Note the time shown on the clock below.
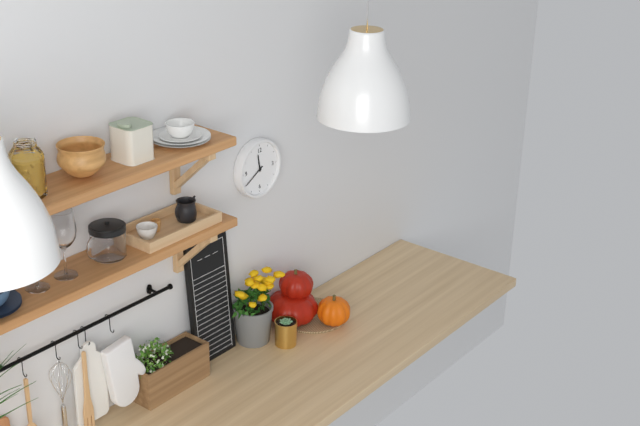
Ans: 11:40
